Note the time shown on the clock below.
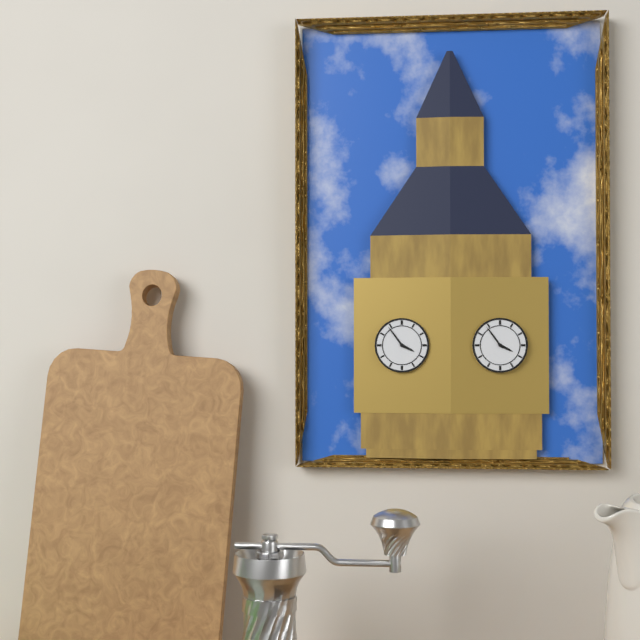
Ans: 3:54
